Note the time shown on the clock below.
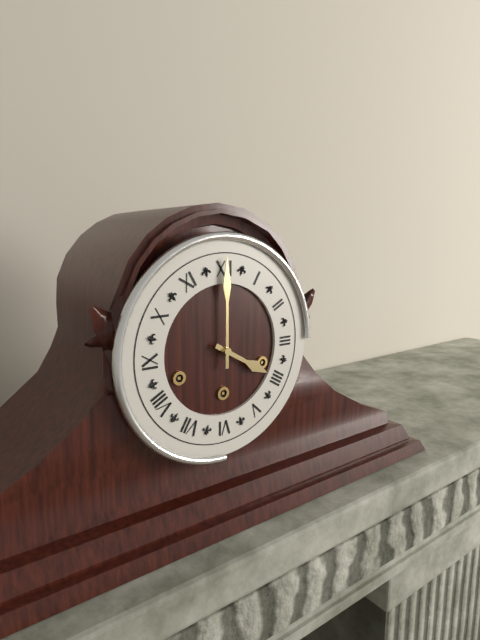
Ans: 4:00
